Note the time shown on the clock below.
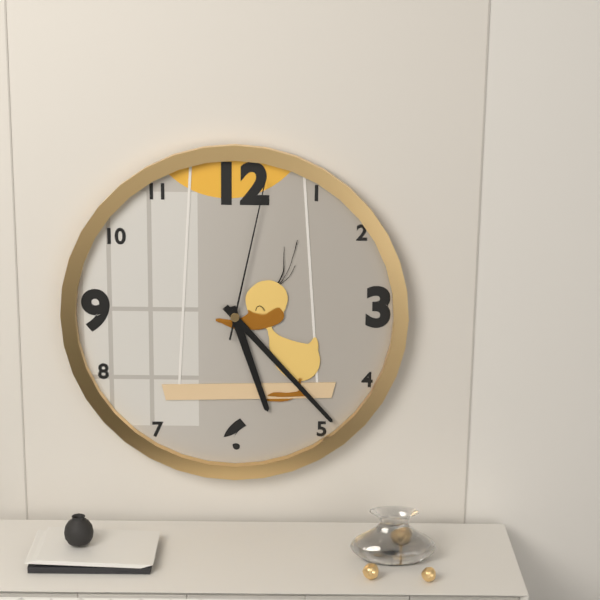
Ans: 5:23:02
